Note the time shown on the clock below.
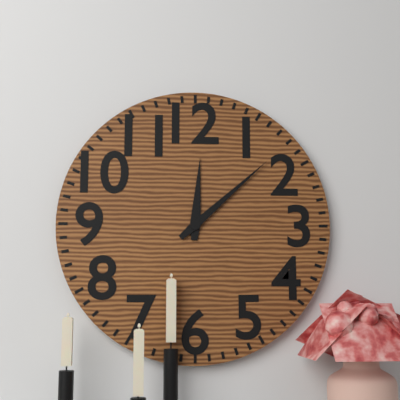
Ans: 12:08
